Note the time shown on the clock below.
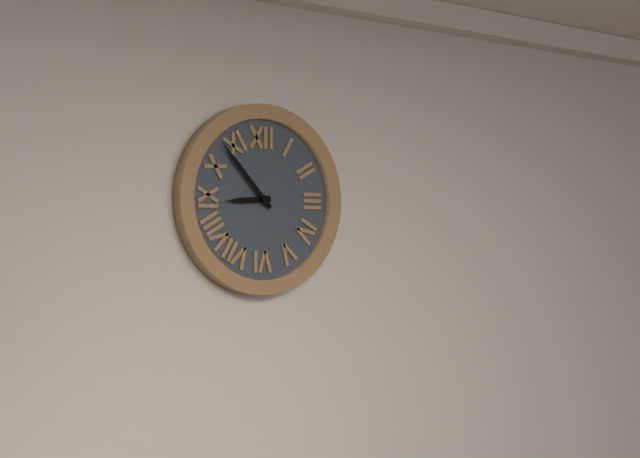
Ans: 8:53
